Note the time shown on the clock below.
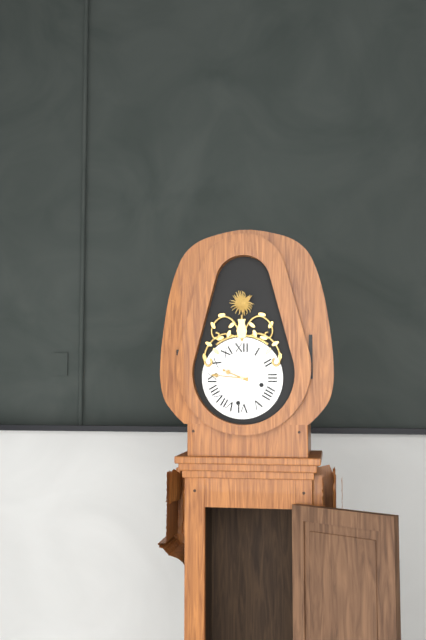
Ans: 9:46
